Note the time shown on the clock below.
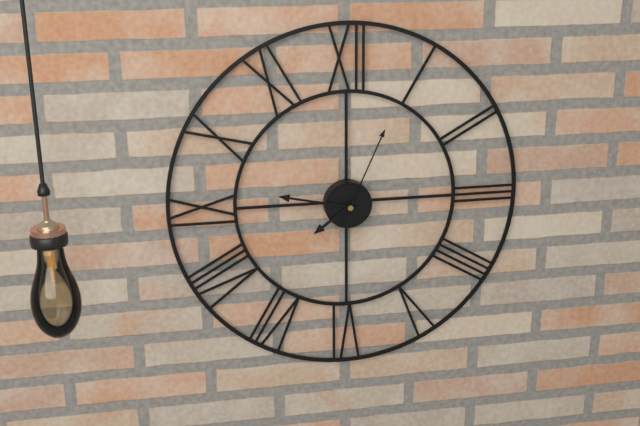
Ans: 7:47:04
